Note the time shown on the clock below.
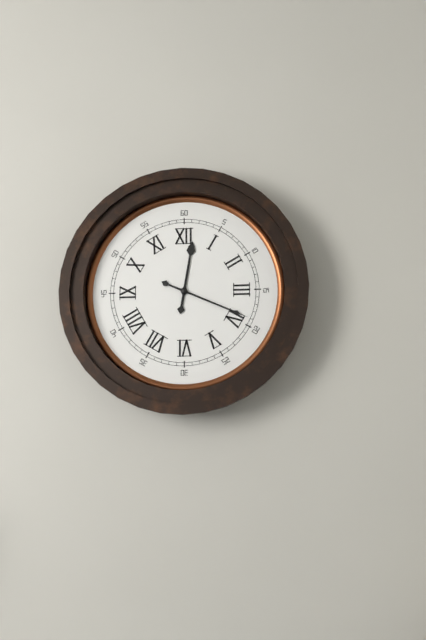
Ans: 12:19
